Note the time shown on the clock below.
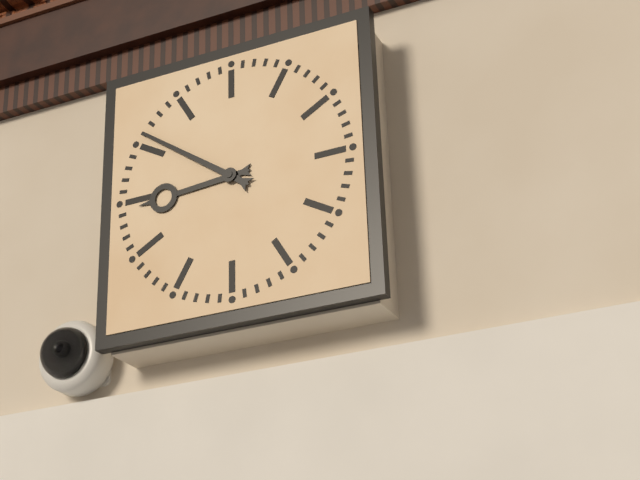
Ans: 8:51
